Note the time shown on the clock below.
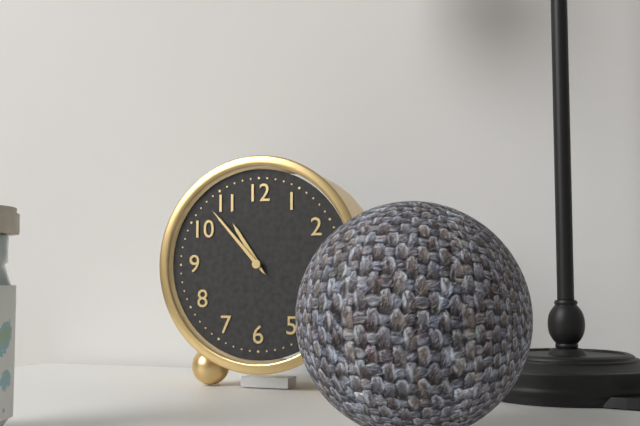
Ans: 10:53
